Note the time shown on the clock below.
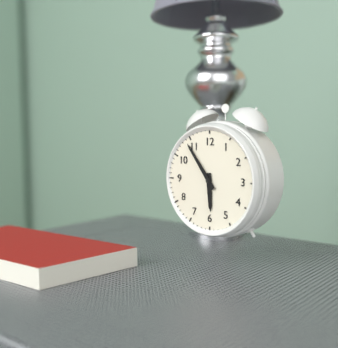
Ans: 5:54
